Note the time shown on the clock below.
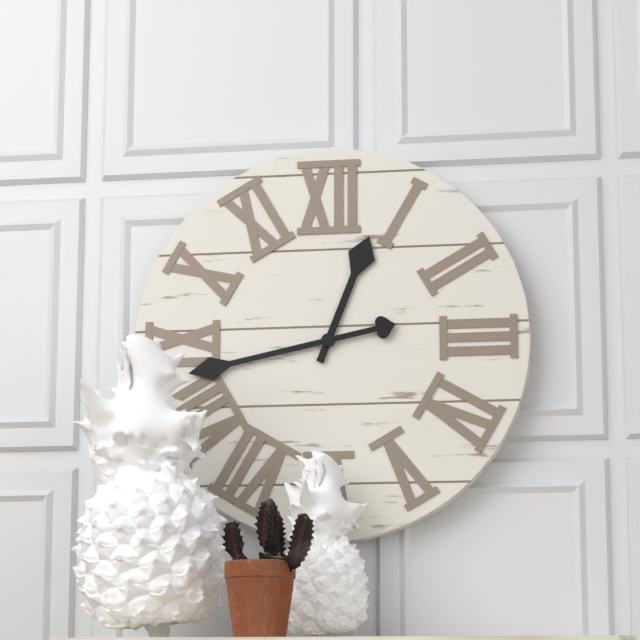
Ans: 12:43
